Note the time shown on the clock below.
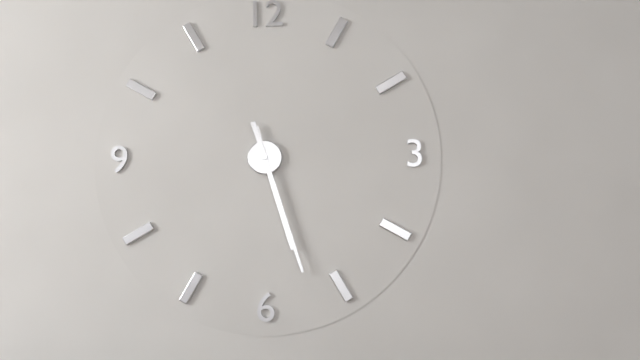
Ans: 5:27
